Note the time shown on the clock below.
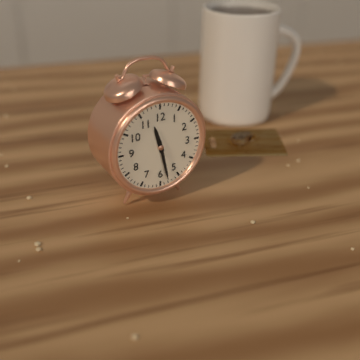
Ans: 11:28
